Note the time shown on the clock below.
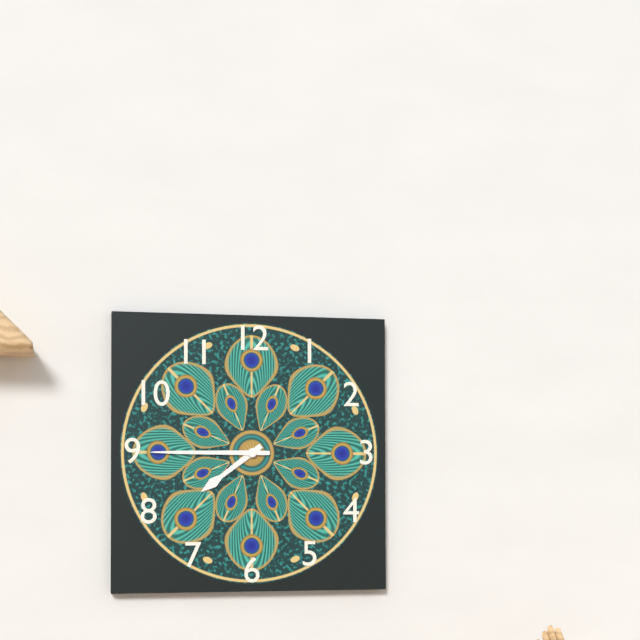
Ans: 7:45
